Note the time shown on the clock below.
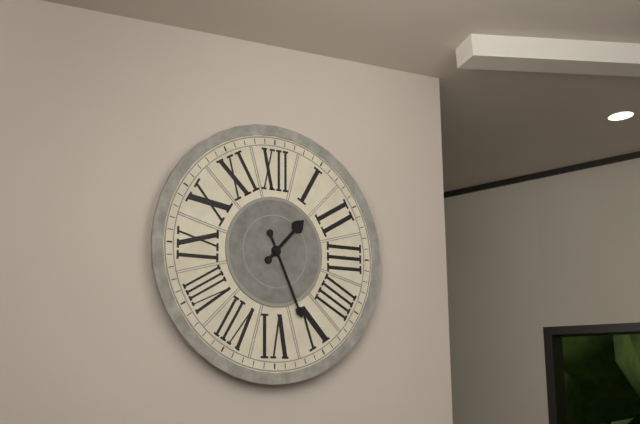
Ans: 1:26
